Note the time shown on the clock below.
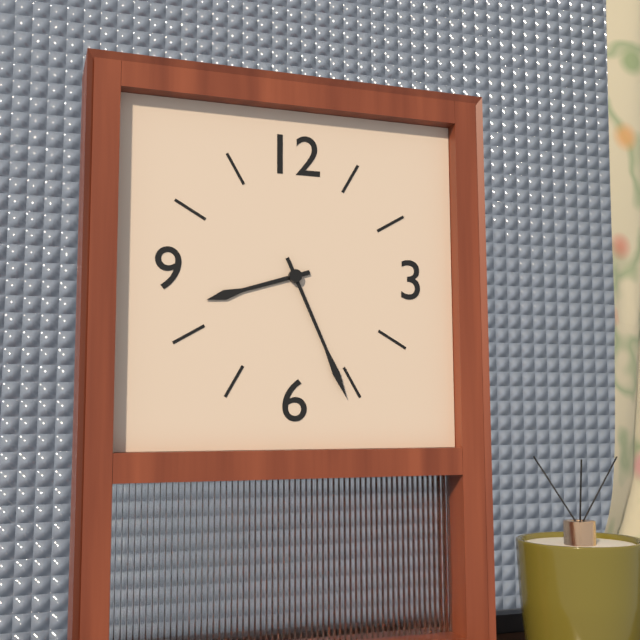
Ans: 8:26
